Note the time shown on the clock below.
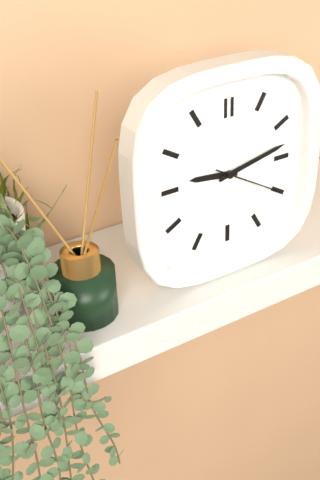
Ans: 9:13:20
